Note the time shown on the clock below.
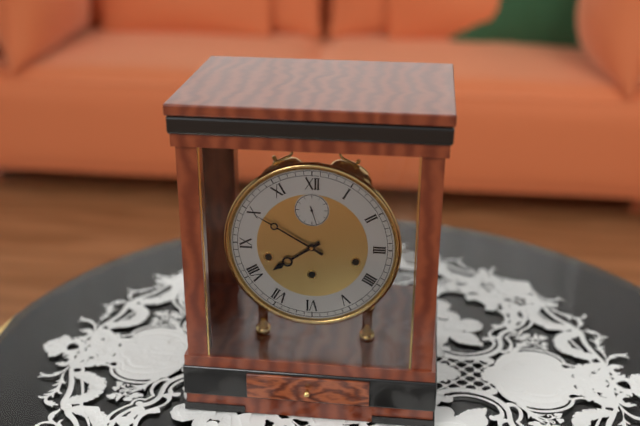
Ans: 7:50
